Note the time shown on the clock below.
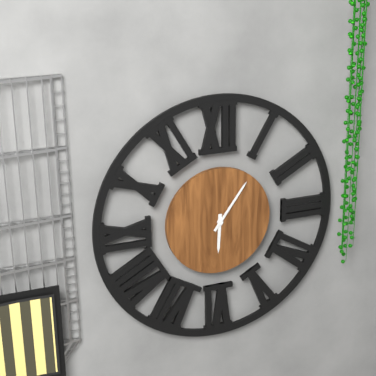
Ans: 6:06
